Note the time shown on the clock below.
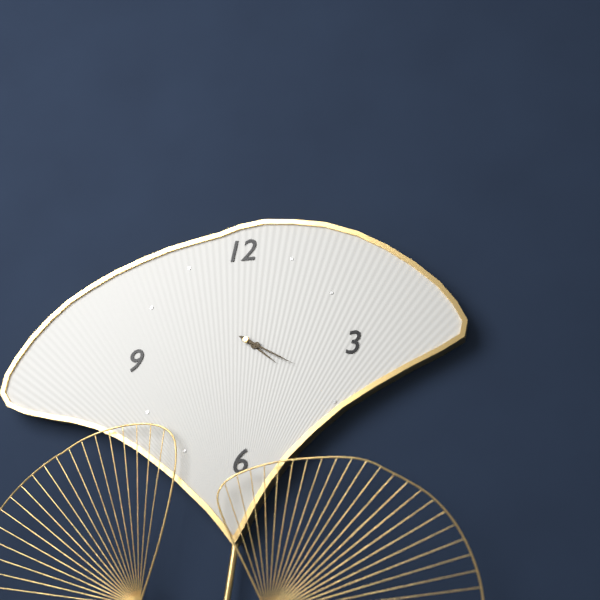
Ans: 4:20
